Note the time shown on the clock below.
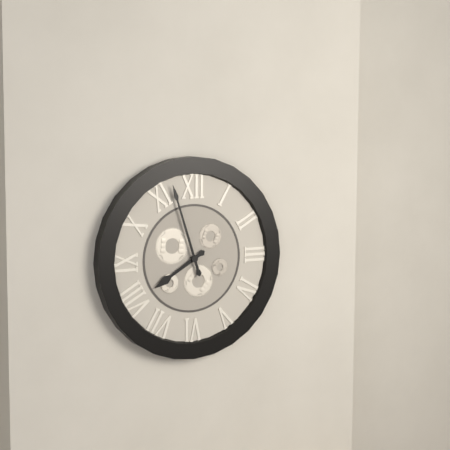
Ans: 7:57
